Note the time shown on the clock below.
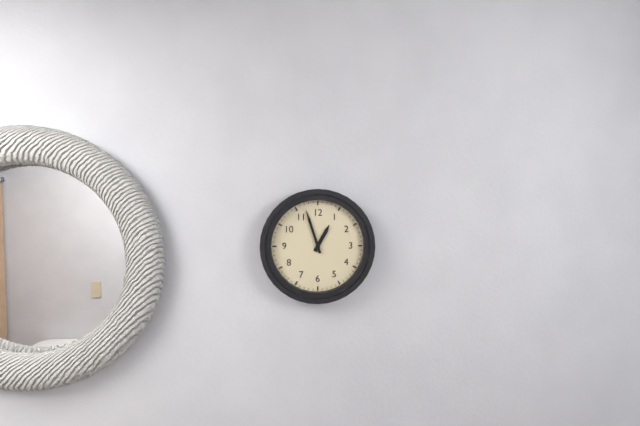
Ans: 12:57
